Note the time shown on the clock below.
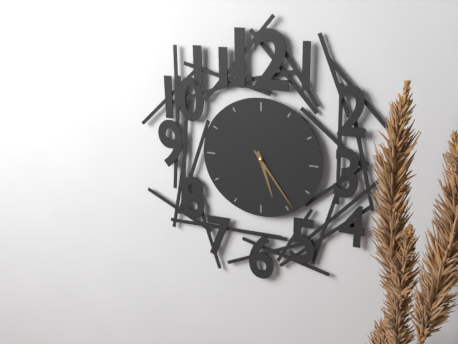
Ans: 5:24
